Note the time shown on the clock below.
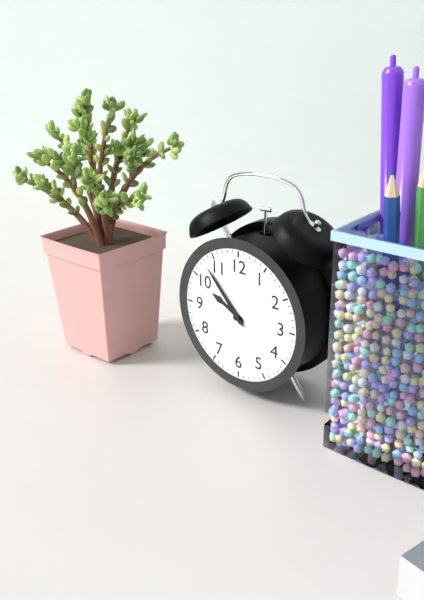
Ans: 9:53
